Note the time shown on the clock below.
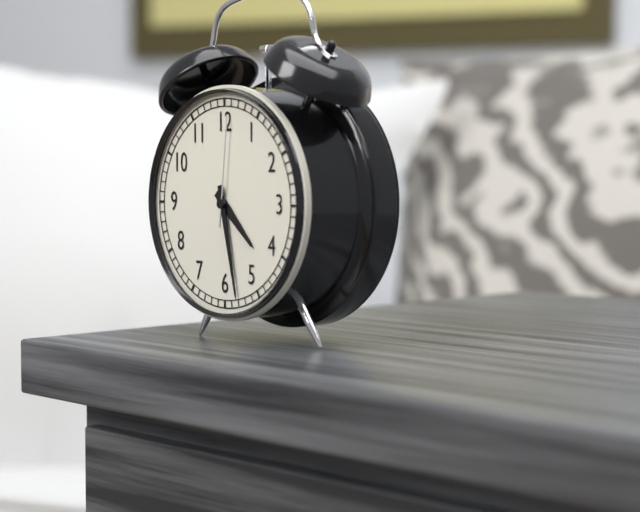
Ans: 4:28:01
